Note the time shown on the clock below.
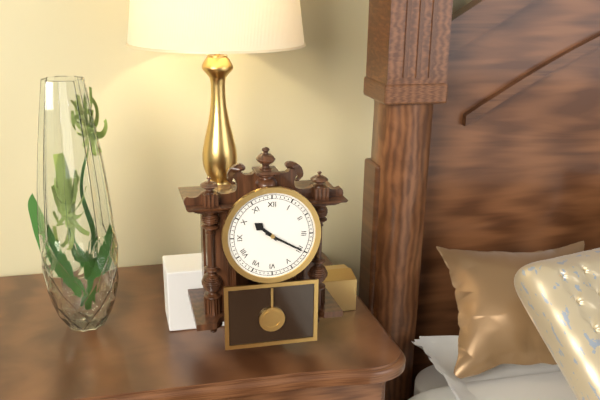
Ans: 10:20
